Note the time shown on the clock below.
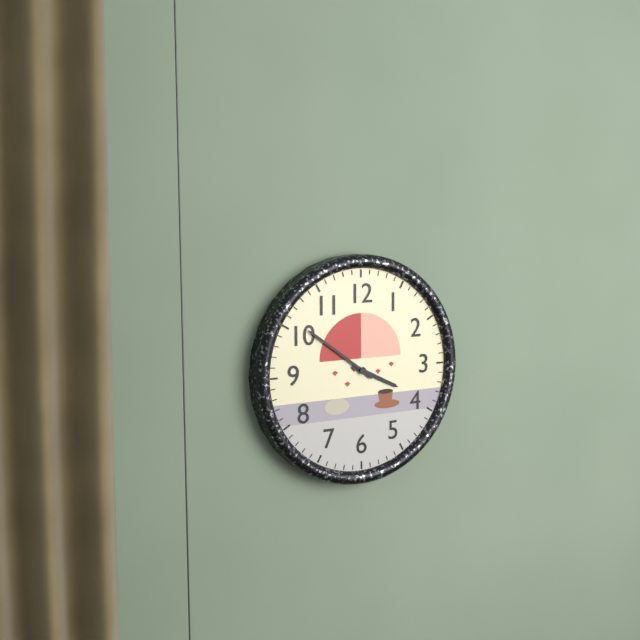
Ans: 3:51
